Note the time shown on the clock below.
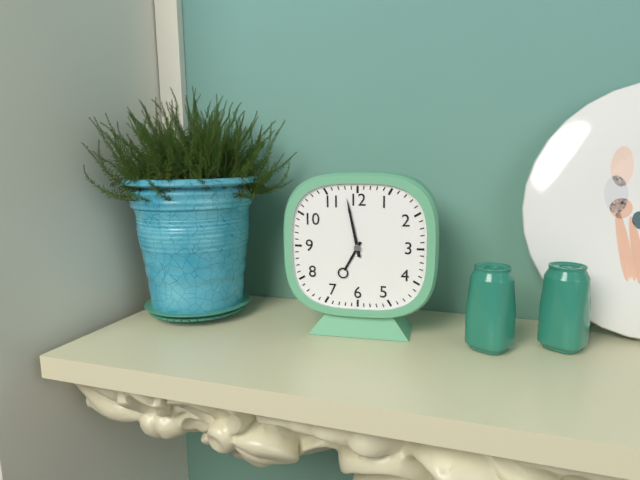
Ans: 6:58
